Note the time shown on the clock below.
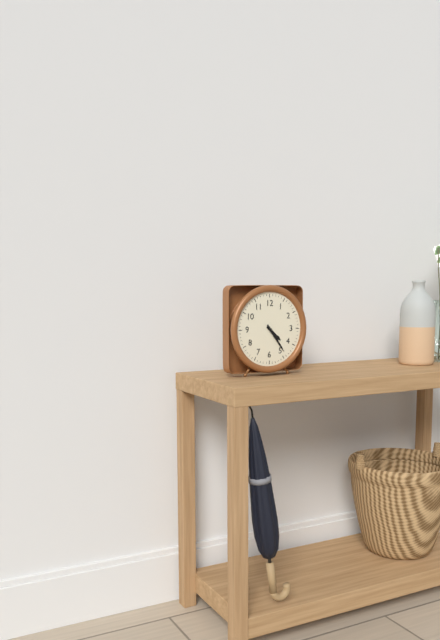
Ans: 4:24
